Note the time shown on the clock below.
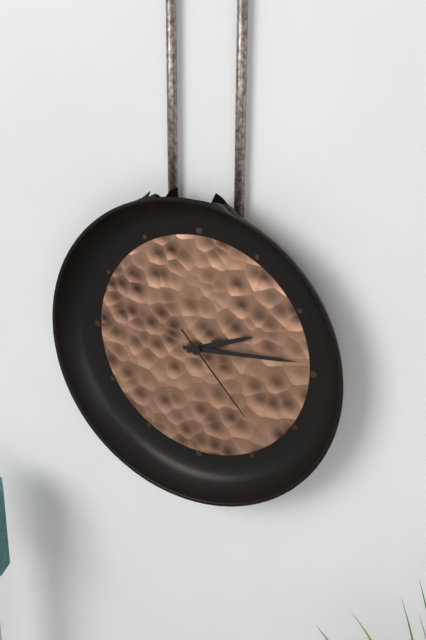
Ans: 2:14:23
